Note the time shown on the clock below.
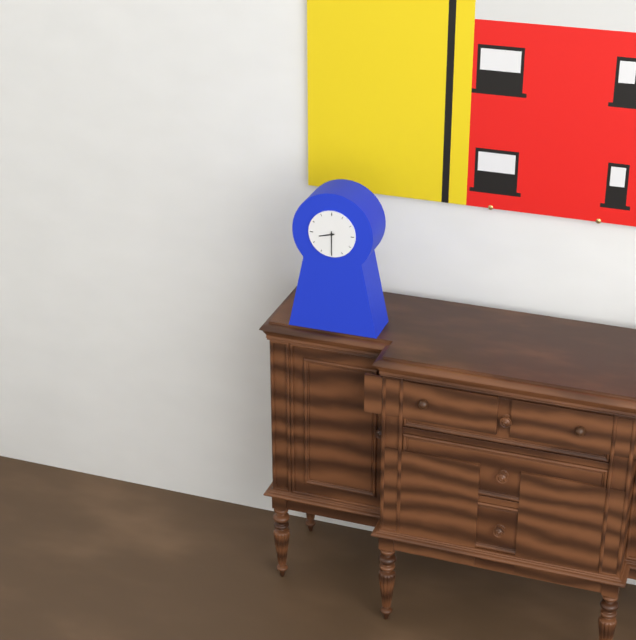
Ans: 8:30
